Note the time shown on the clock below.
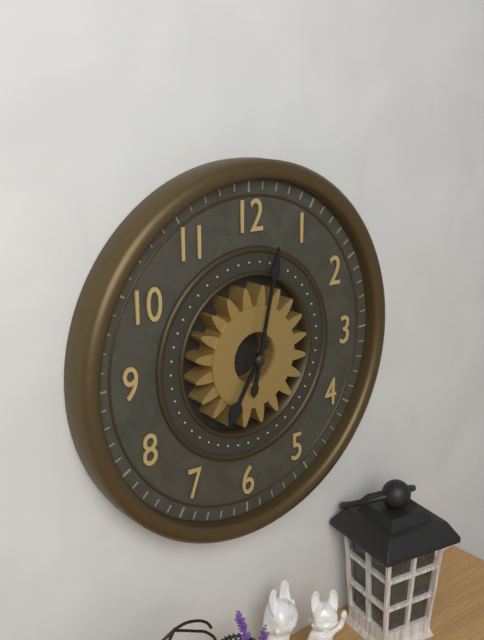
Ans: 7:02
